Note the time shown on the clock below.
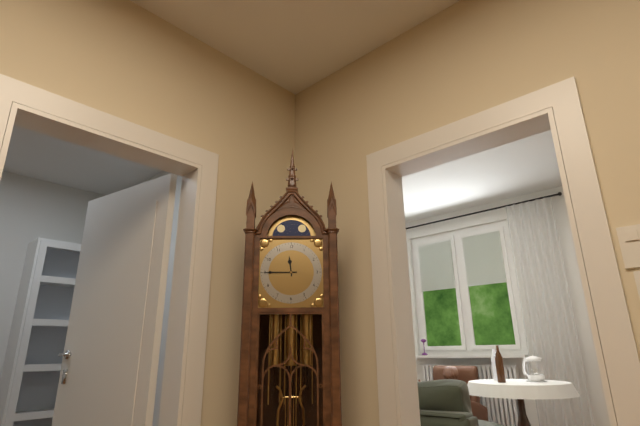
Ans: 11:45
